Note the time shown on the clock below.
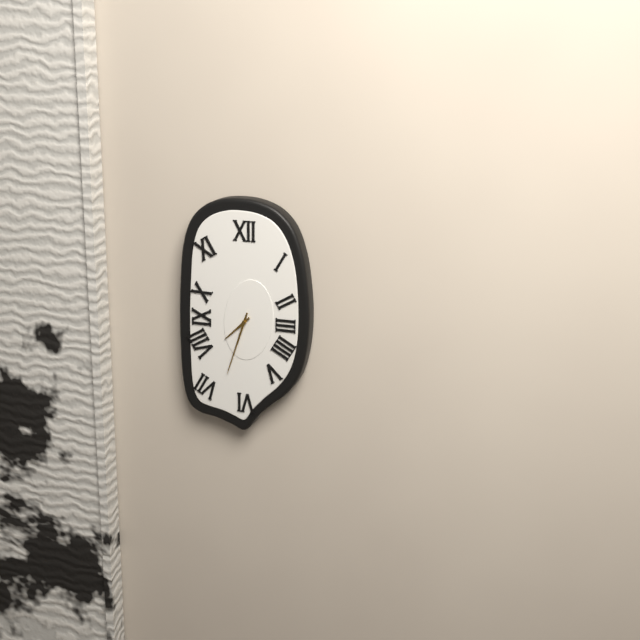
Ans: 7:33
